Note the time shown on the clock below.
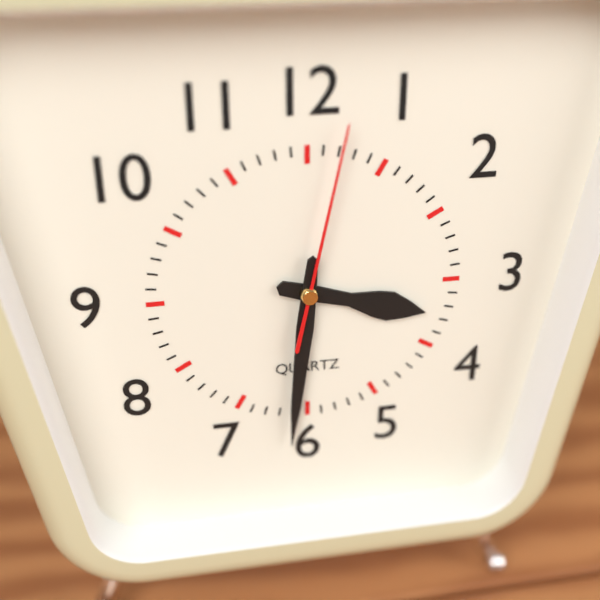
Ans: 3:31:02
